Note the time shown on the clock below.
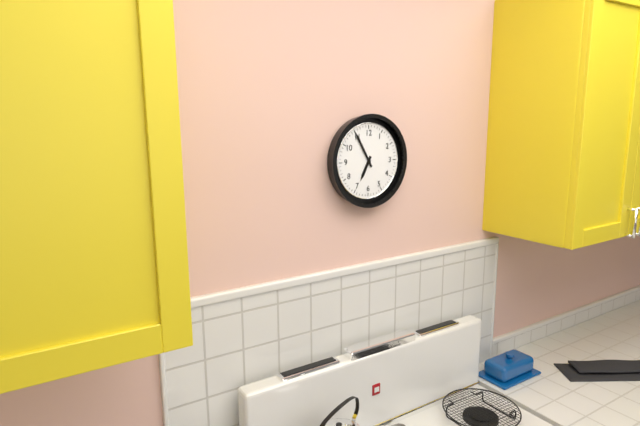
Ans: 6:55
